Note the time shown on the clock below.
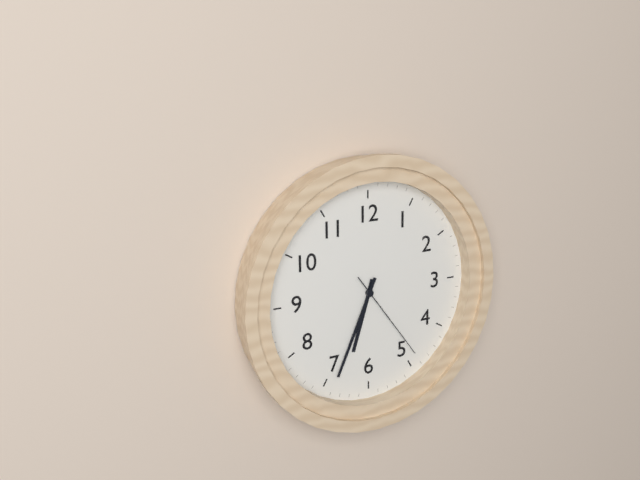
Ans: 6:34:24
